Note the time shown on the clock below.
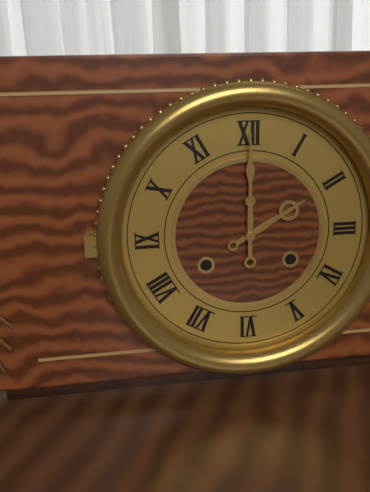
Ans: 2:00
